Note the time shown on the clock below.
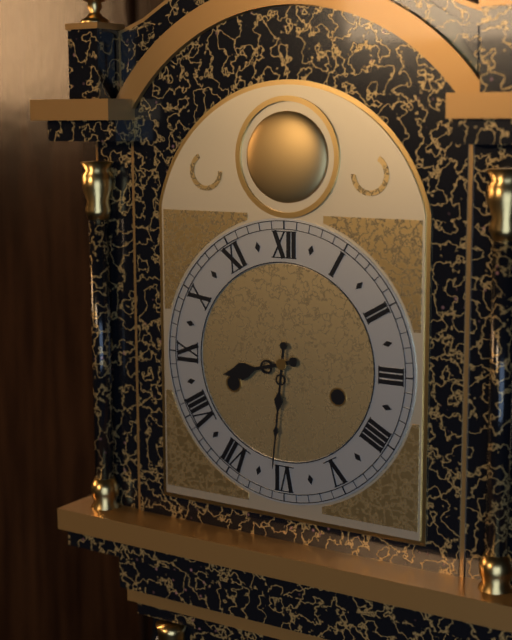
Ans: 8:31
